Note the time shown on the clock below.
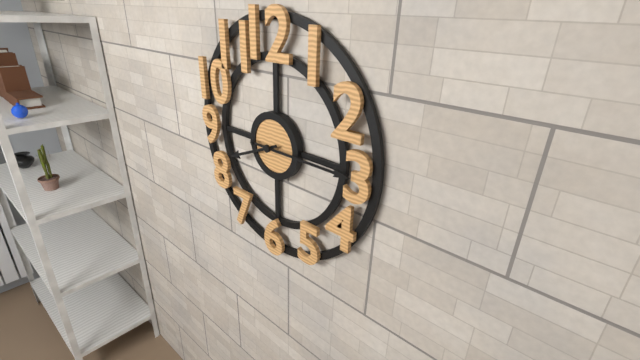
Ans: 8:15
